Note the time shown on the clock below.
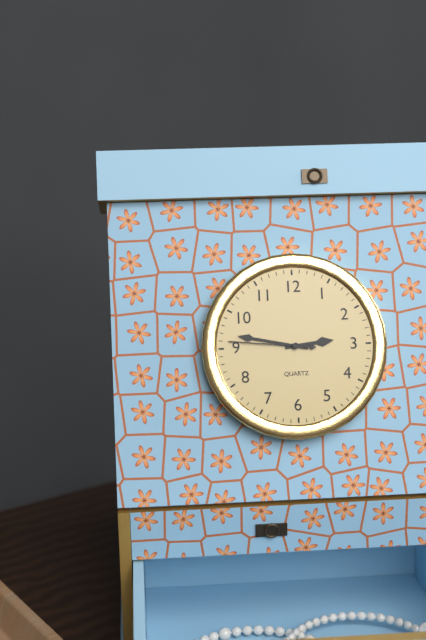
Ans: 2:47:46
